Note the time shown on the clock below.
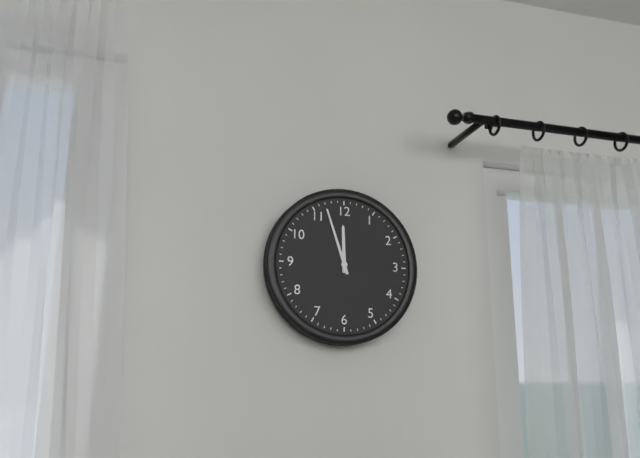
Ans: 11:57
